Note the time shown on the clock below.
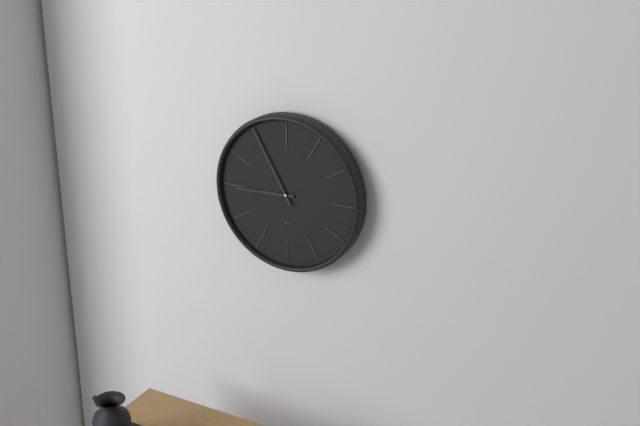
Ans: 8:55
